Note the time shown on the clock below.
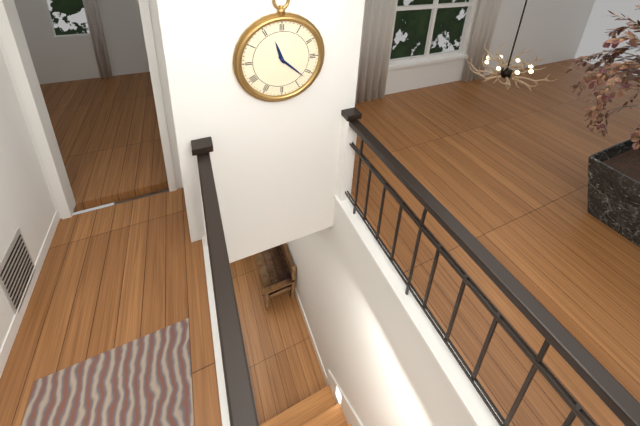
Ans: 11:22
